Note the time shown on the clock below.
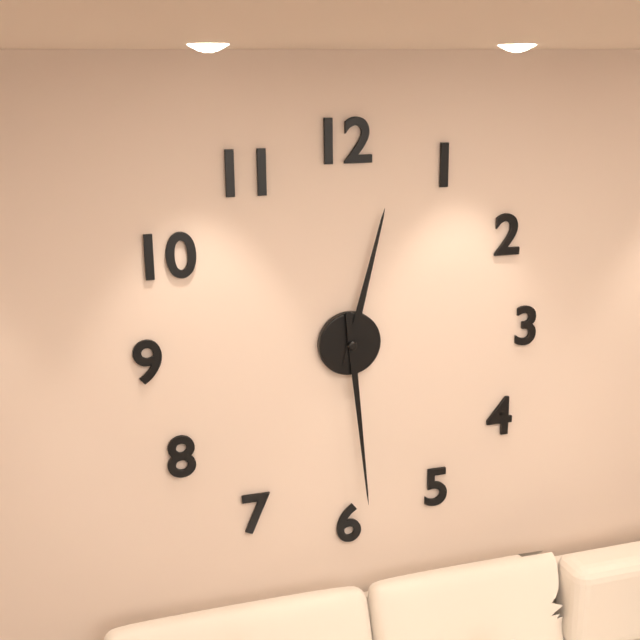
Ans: 12:29
